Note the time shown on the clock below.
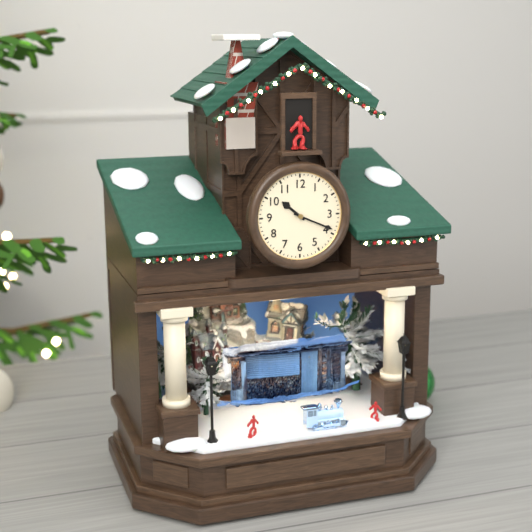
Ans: 10:19
